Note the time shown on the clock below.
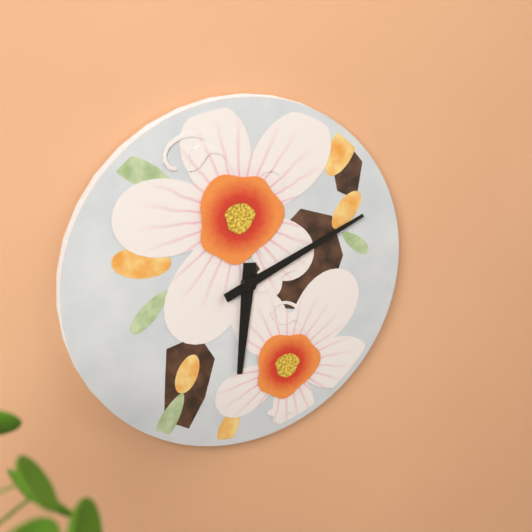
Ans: 6:11
